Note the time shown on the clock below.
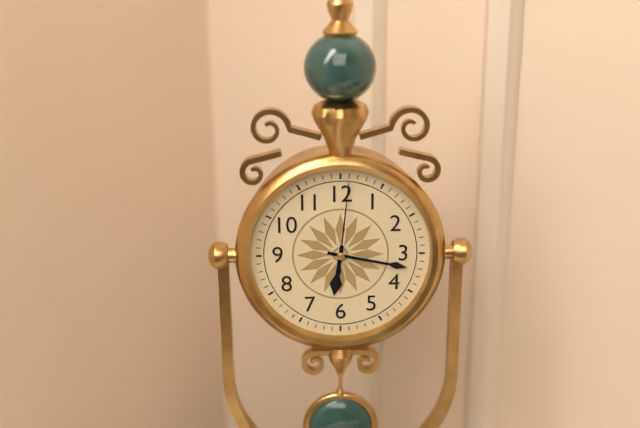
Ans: 6:17:01
